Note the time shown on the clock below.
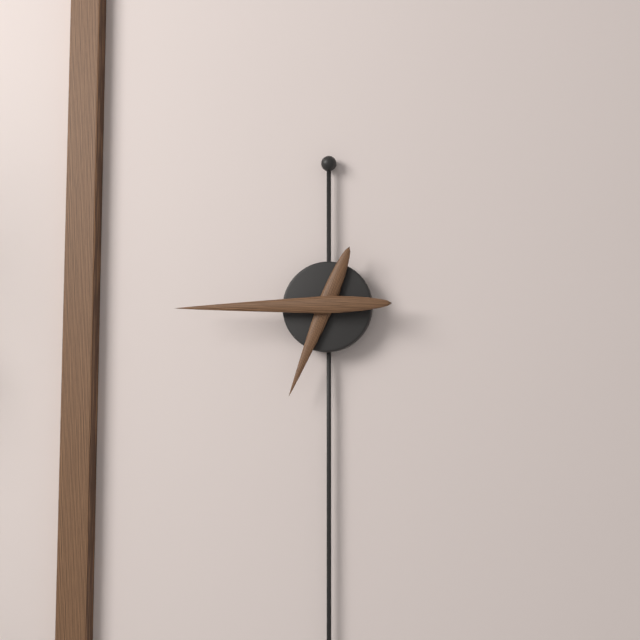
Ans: 6:45
